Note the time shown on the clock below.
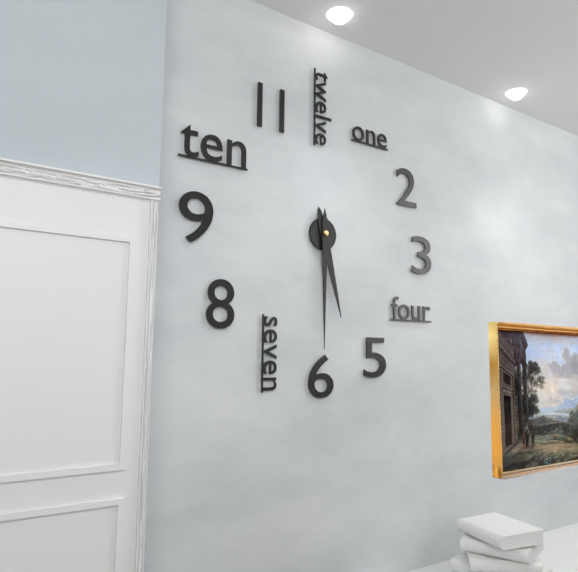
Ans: 5:30
